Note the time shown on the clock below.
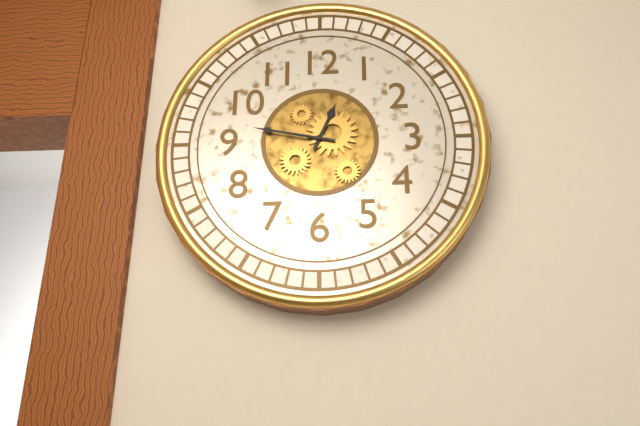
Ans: 12:47
